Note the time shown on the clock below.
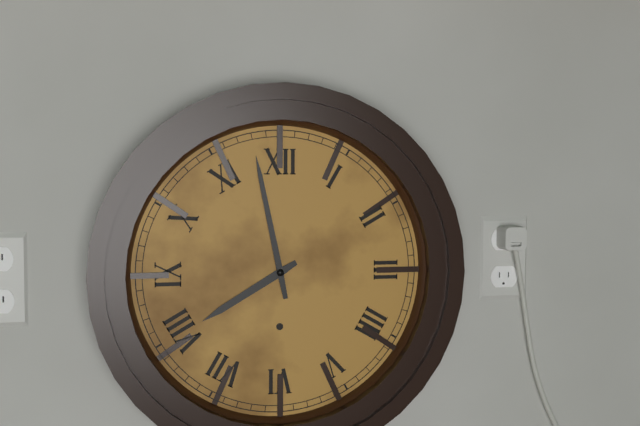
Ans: 7:58
